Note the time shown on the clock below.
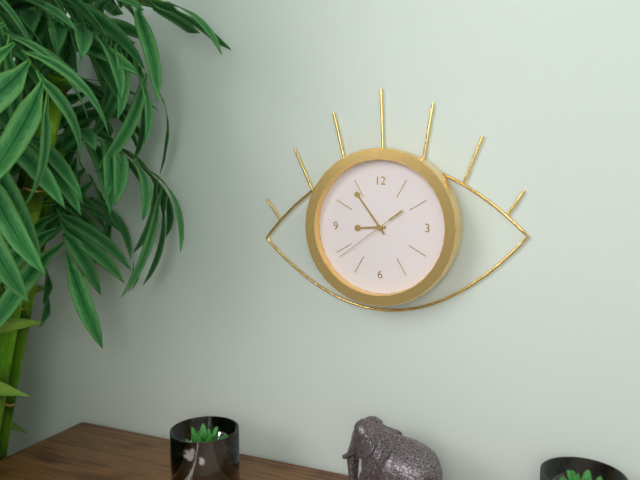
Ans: 8:54:39
